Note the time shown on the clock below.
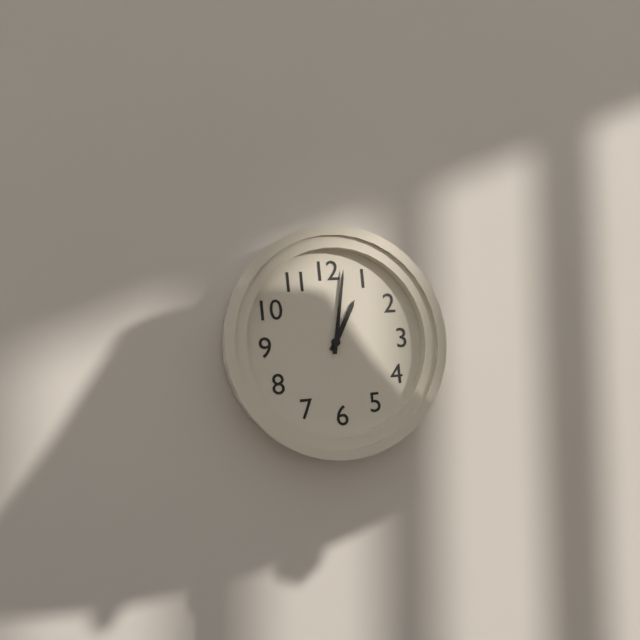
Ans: 1:02
